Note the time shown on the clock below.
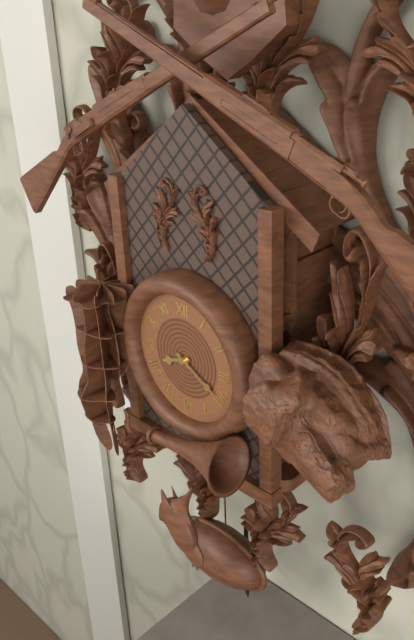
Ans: 8:20
